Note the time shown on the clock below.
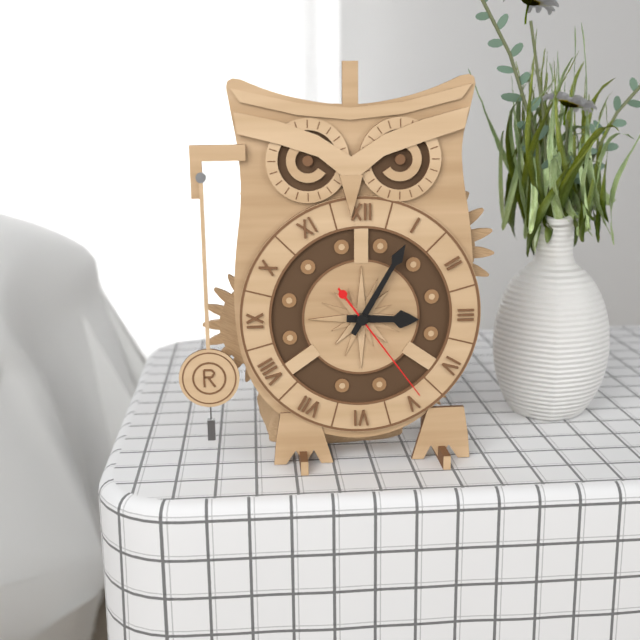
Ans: 3:05:24
